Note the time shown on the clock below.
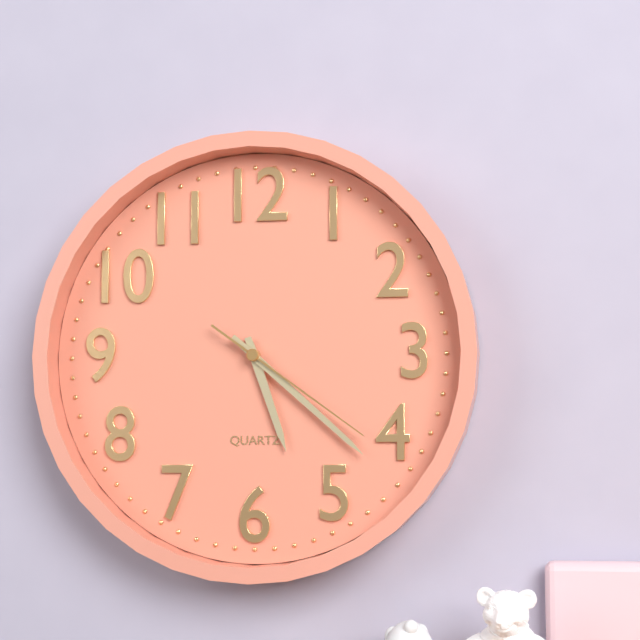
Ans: 5:22:21
